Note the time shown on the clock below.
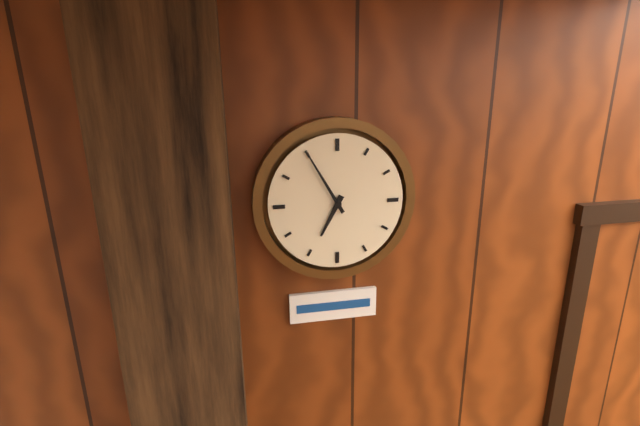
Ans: 6:55
